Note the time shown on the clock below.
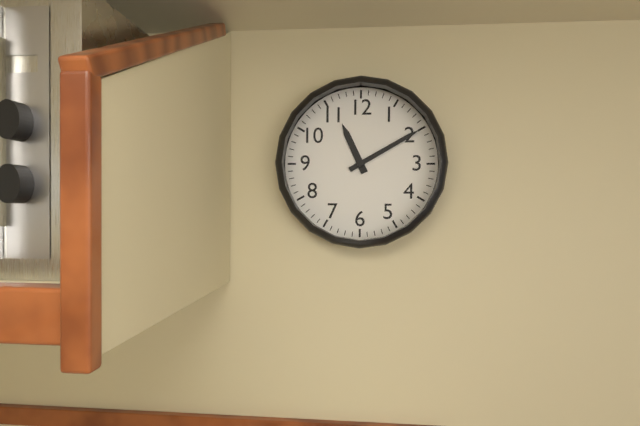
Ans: 11:10
